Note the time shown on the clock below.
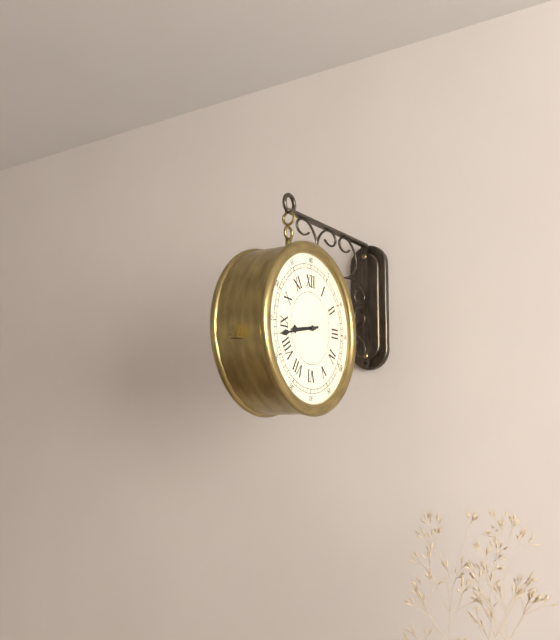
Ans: 8:43
